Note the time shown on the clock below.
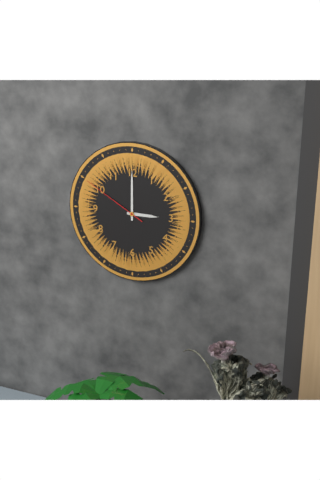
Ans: 3:00:50
